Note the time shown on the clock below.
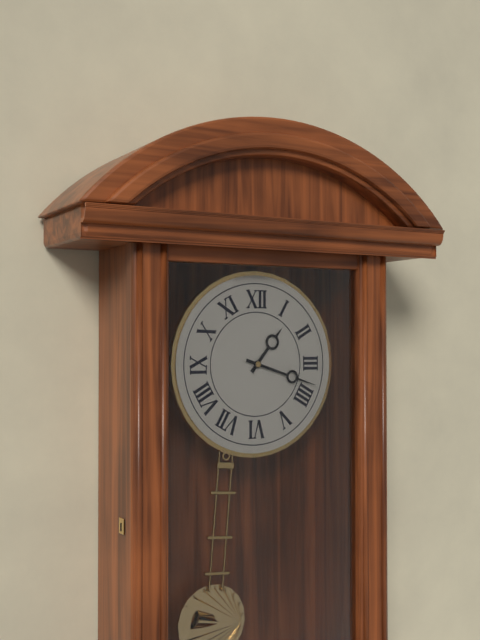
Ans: 1:18
